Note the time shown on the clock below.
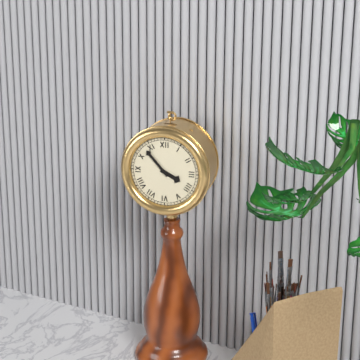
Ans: 3:53
